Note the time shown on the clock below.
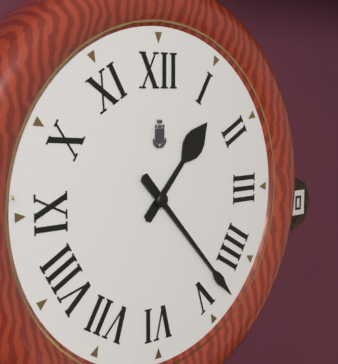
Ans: 1:23
